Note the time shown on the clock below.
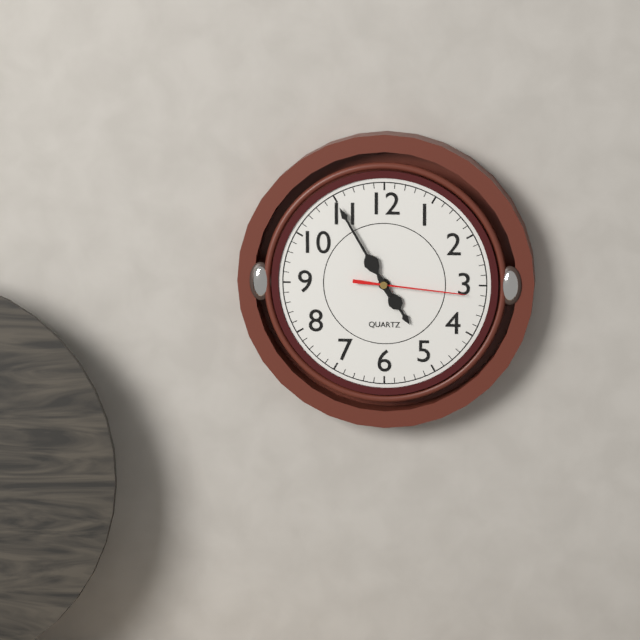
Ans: 4:55:16
